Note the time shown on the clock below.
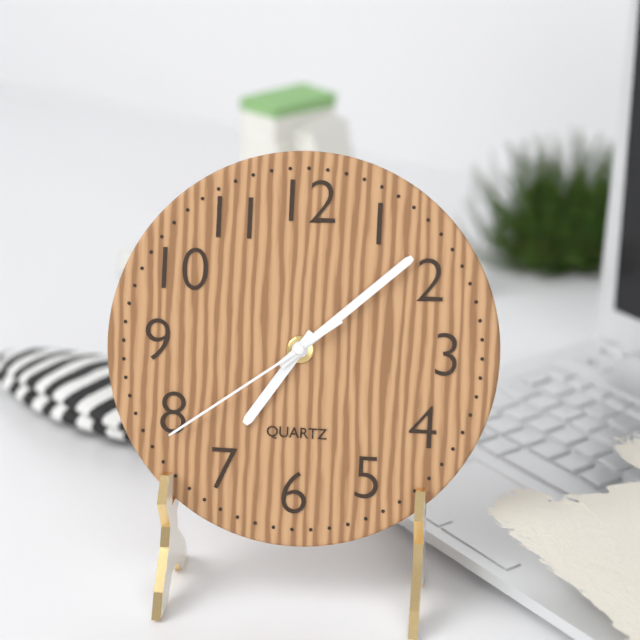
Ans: 7:08:39
